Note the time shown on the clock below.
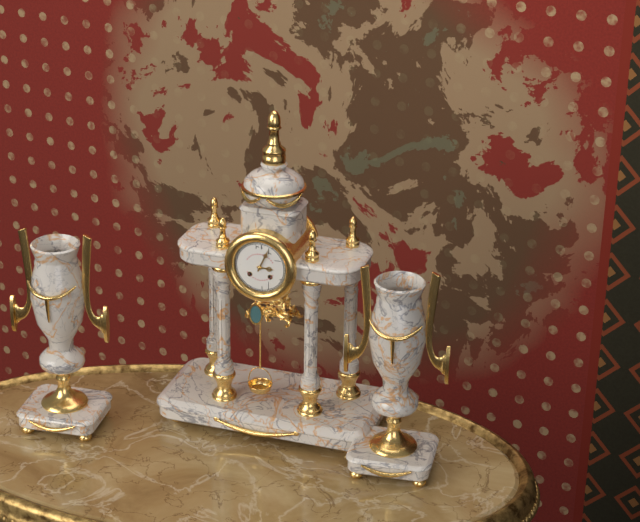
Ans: 3:04
